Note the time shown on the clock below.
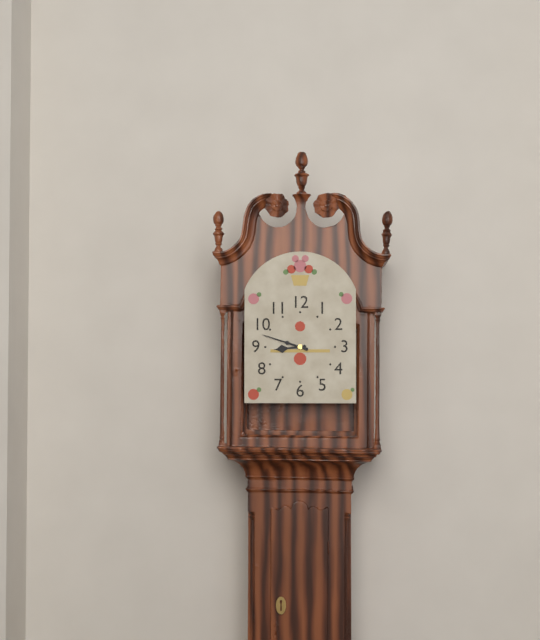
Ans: 8:48
